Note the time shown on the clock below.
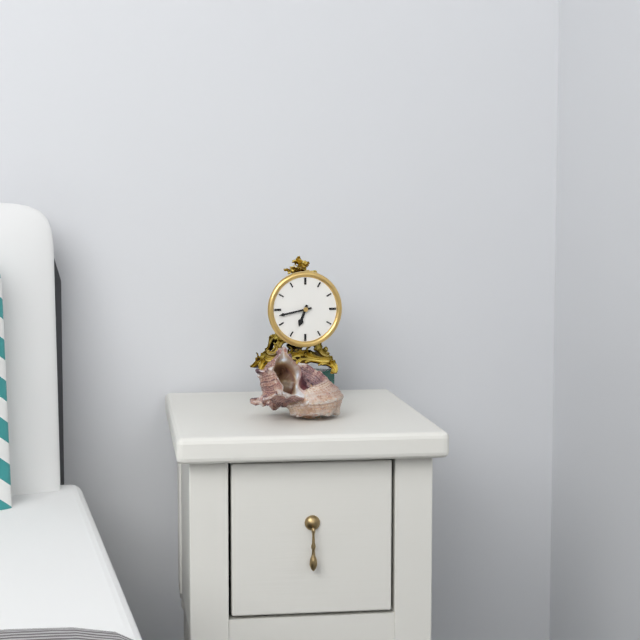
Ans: 6:43
